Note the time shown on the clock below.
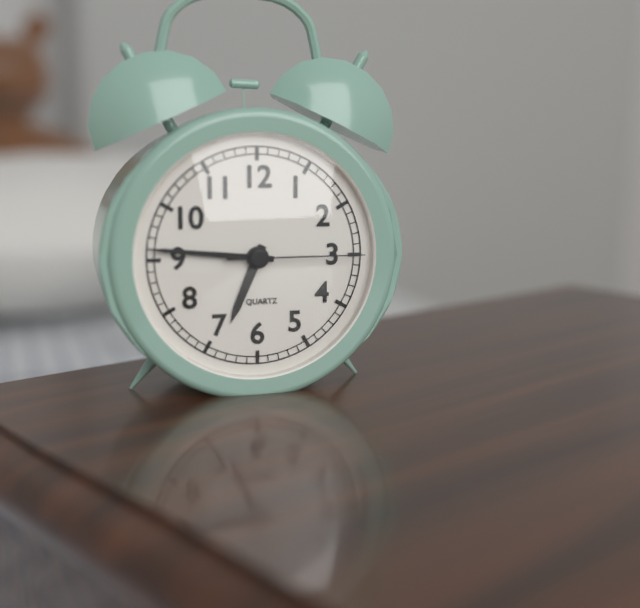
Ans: 6:46:15
